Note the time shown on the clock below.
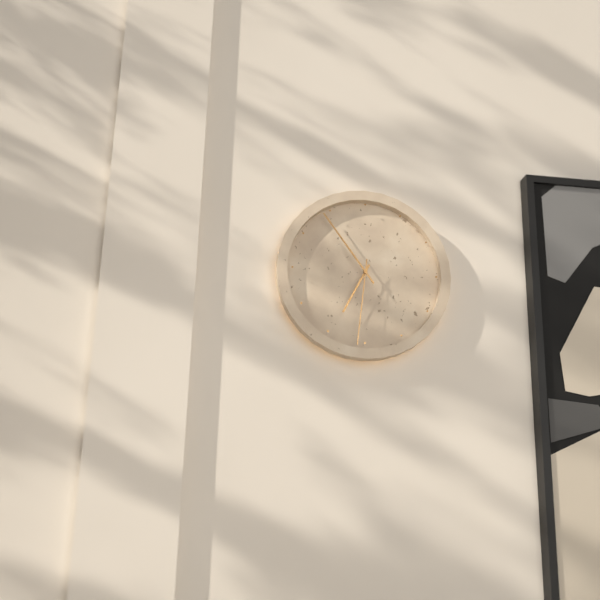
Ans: 6:54:31
